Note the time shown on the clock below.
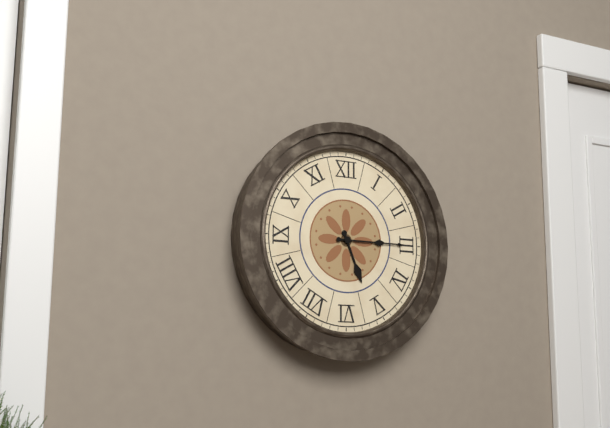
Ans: 5:15
